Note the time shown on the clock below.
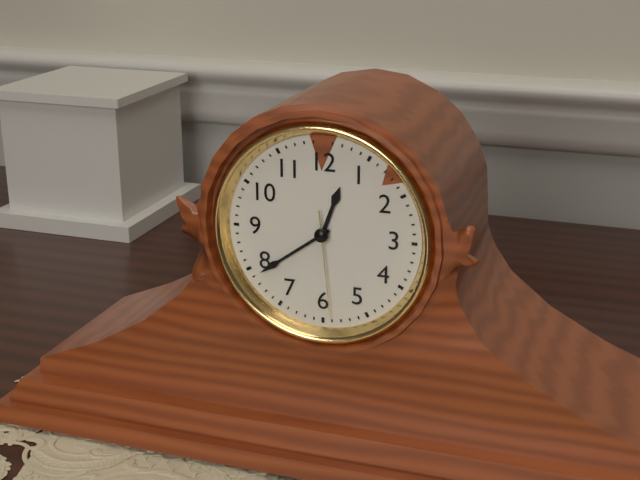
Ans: 12:39:29
